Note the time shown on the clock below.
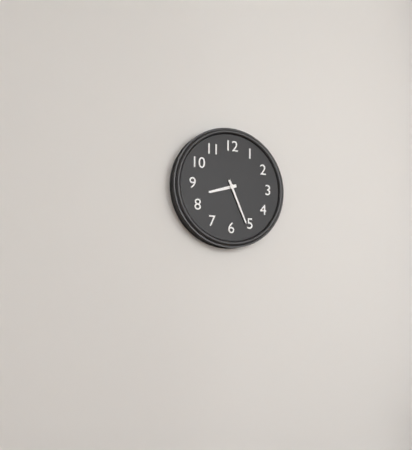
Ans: 8:26
